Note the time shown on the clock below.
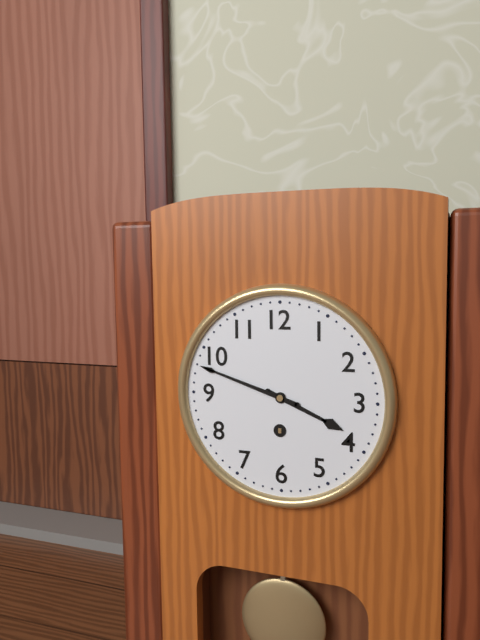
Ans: 3:48
